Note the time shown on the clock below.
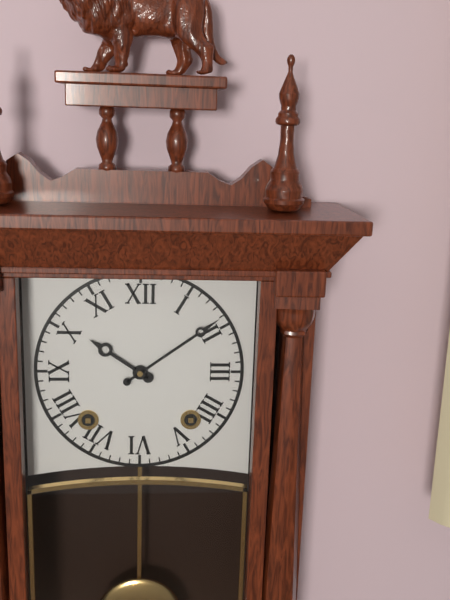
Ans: 10:09
